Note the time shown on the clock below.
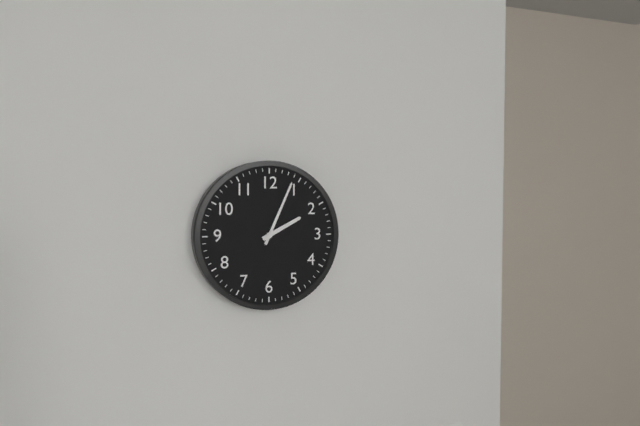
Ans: 2:04
